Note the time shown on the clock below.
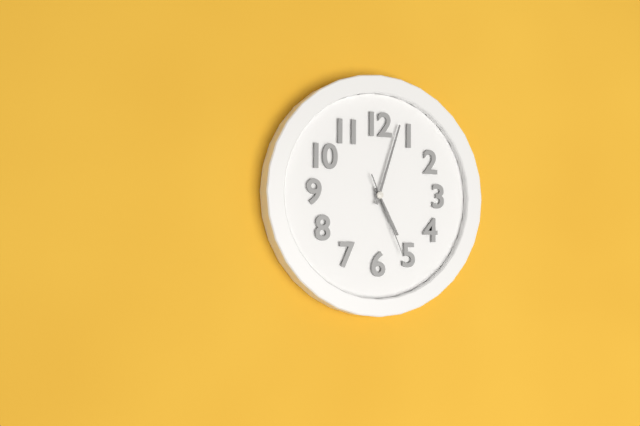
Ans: 5:03:26
